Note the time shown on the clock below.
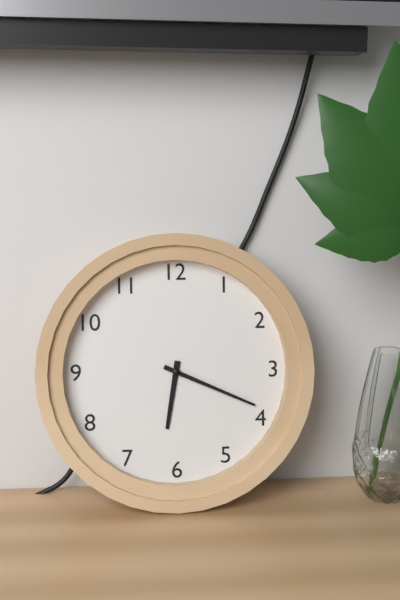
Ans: 6:19
